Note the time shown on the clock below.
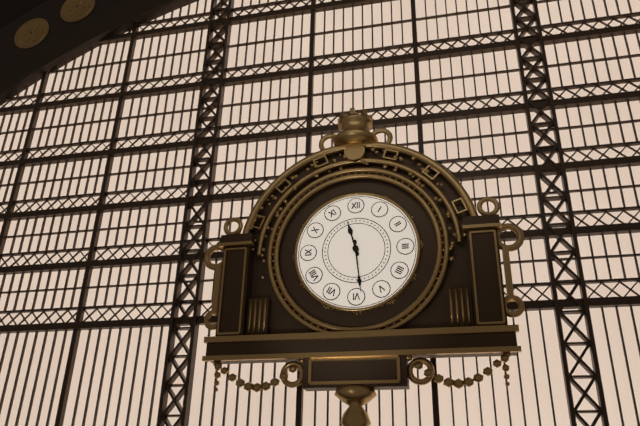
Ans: 11:29
